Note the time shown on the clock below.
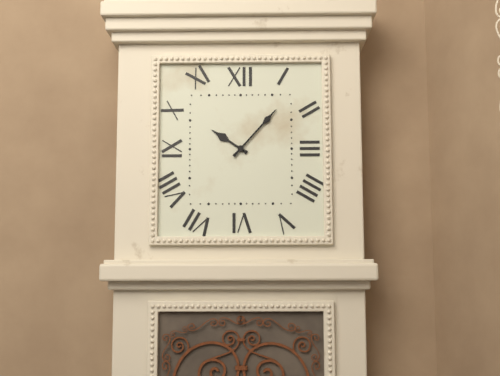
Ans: 10:07
